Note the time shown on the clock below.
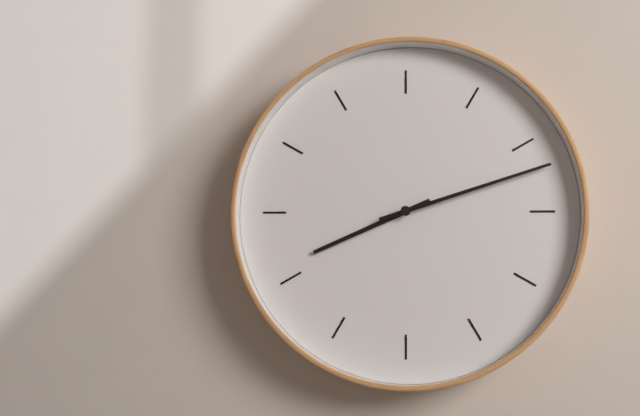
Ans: 8:12
